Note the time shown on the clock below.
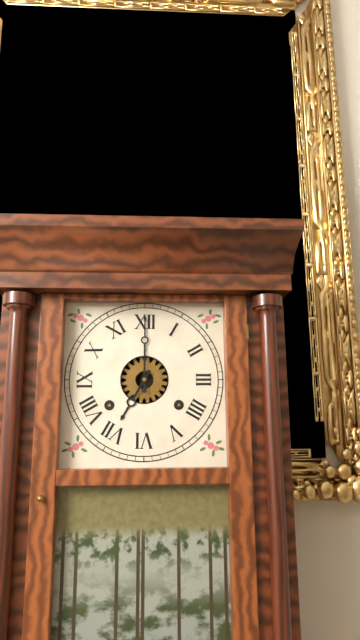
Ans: 7:00
